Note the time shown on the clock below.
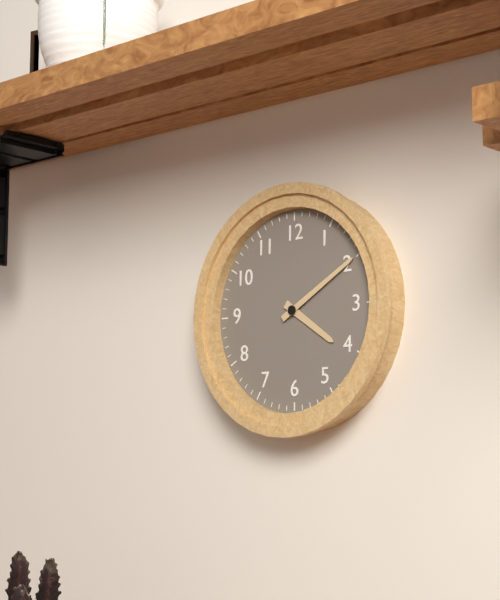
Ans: 4:10
